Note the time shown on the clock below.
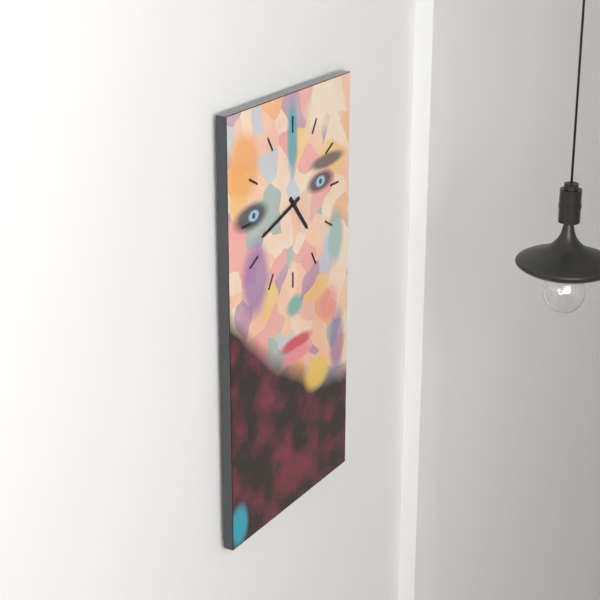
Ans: 4:42
